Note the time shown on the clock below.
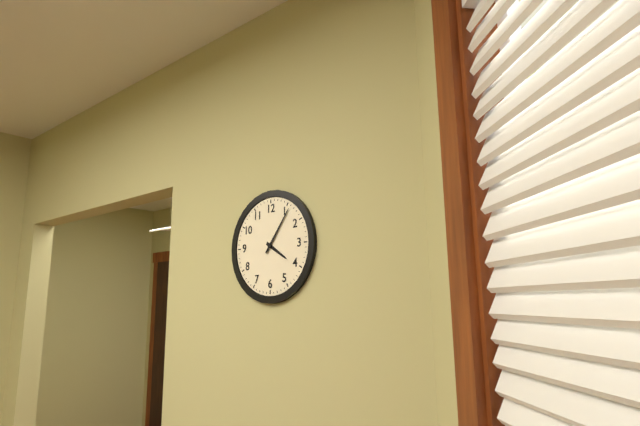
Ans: 4:06
